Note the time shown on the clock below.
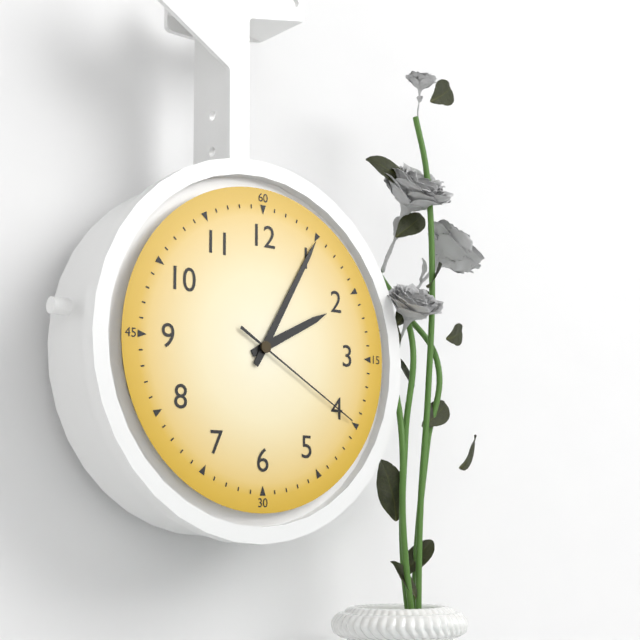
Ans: 2:05:20
